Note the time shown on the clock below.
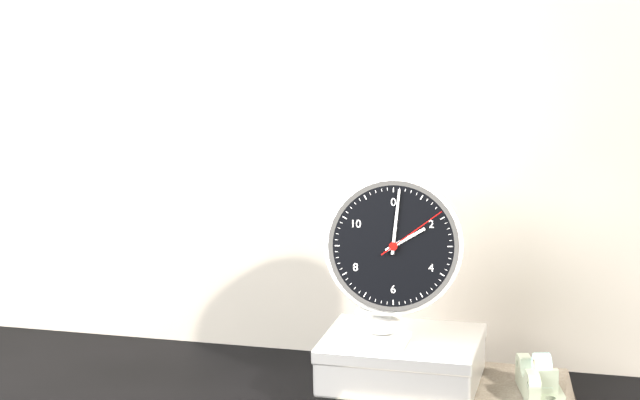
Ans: 2:01:09
